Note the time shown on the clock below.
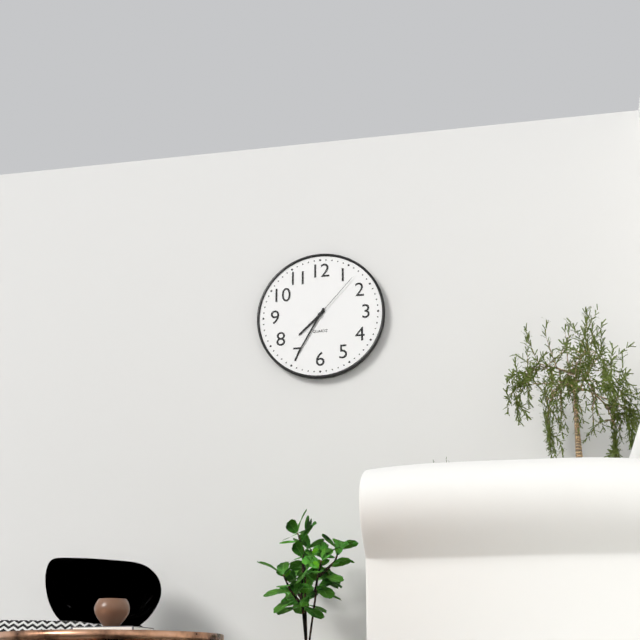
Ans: 7:35:07
